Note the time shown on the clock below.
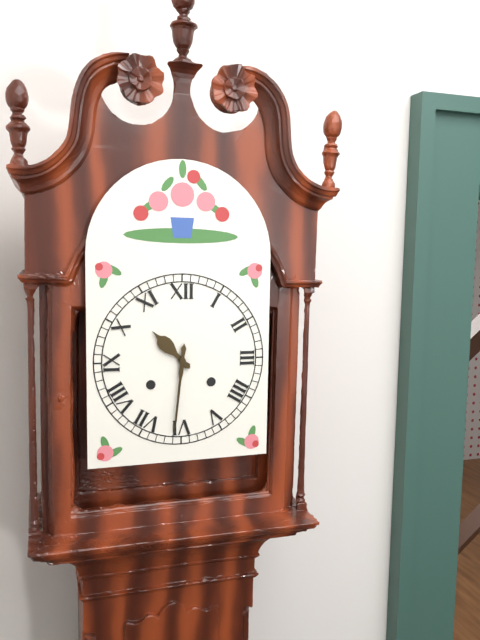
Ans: 10:31
